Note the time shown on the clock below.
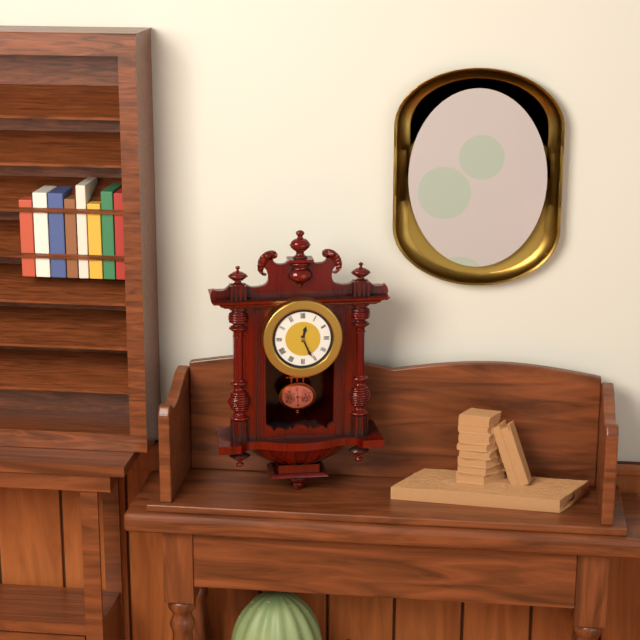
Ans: 12:26
